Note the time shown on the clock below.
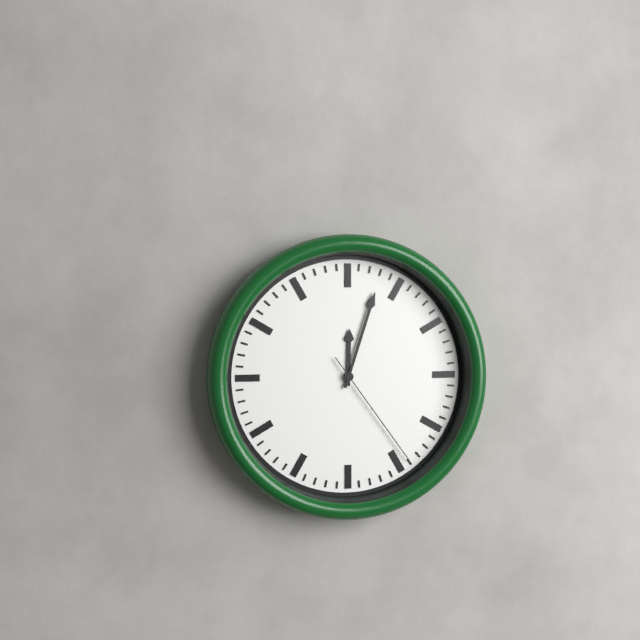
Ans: 12:03:24
